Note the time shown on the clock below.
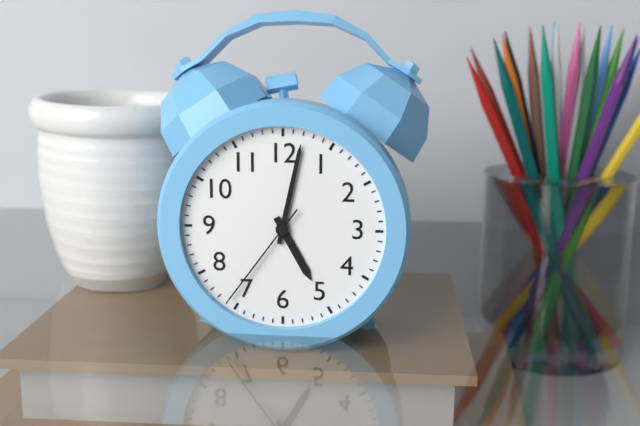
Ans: 5:02:36
